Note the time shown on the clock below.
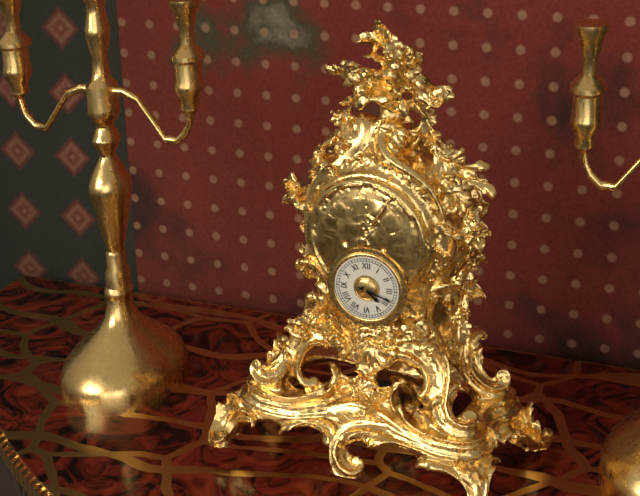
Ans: 4:18
